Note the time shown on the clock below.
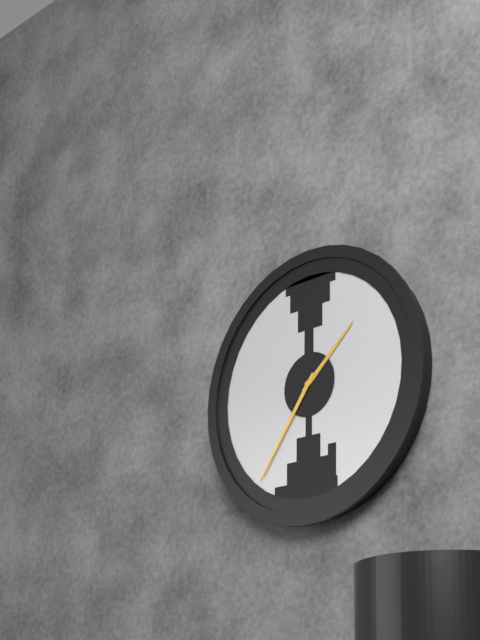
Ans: 1:36
